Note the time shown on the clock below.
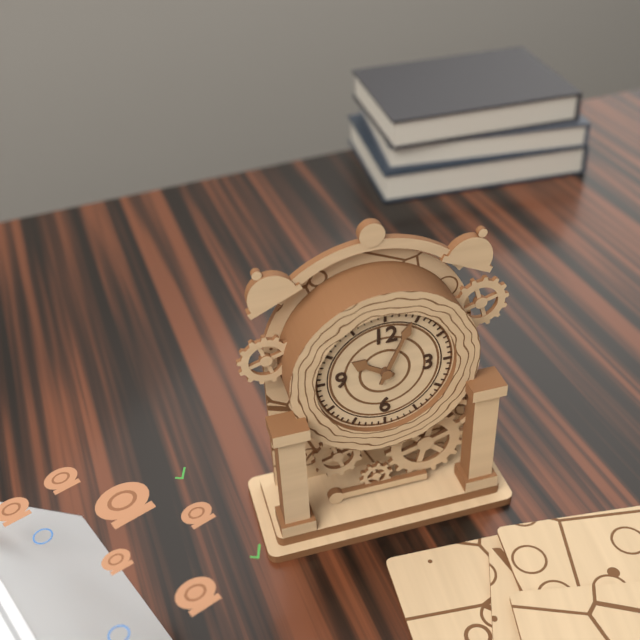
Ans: 10:04
